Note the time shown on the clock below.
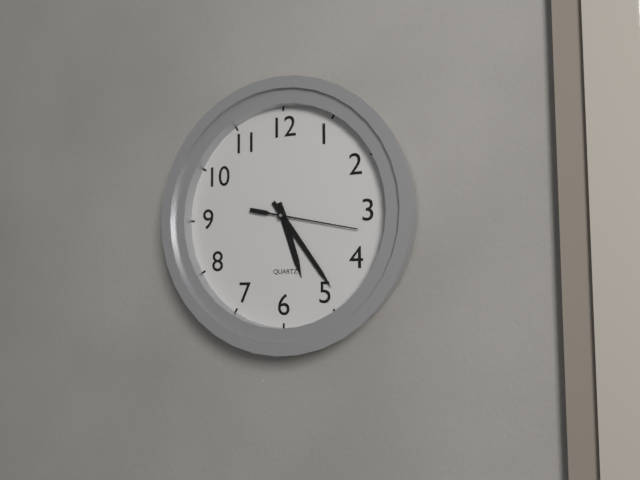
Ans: 5:24:17
